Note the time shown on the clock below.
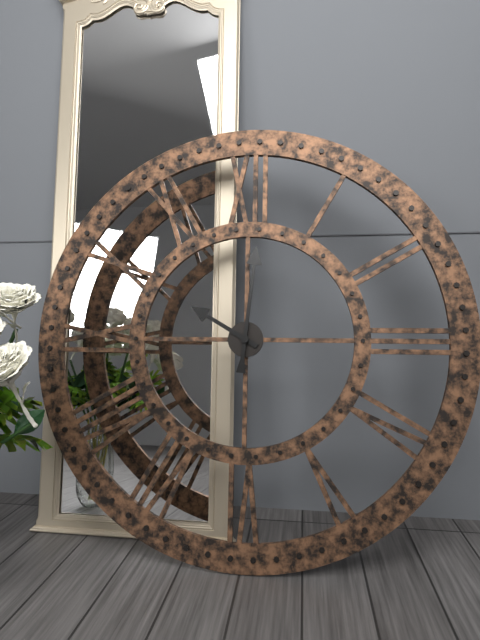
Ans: 10:01
